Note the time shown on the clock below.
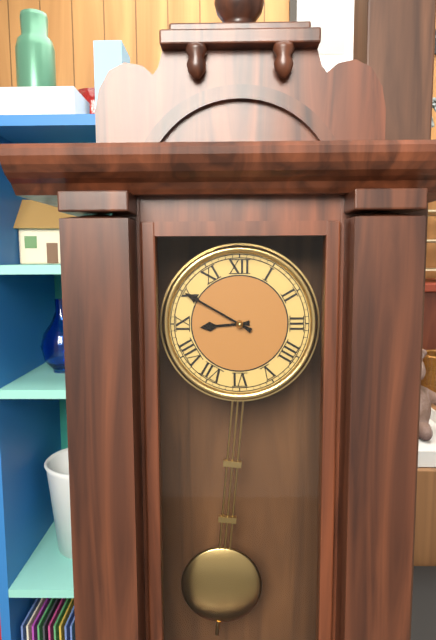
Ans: 8:50
